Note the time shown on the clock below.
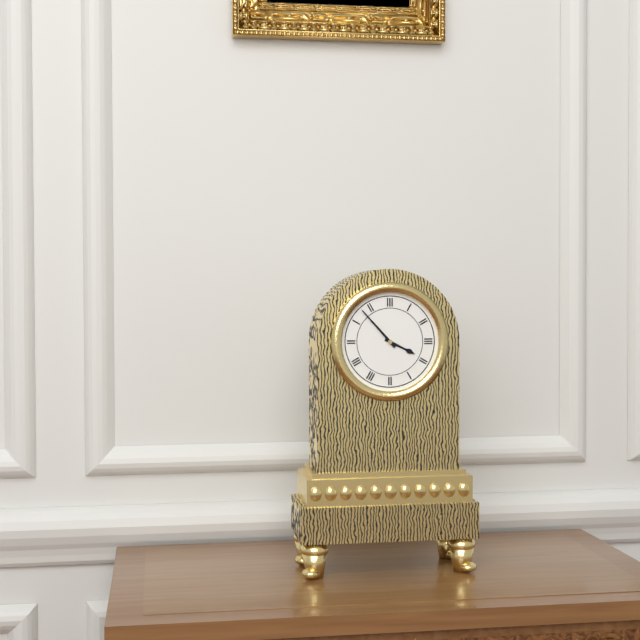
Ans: 3:53
